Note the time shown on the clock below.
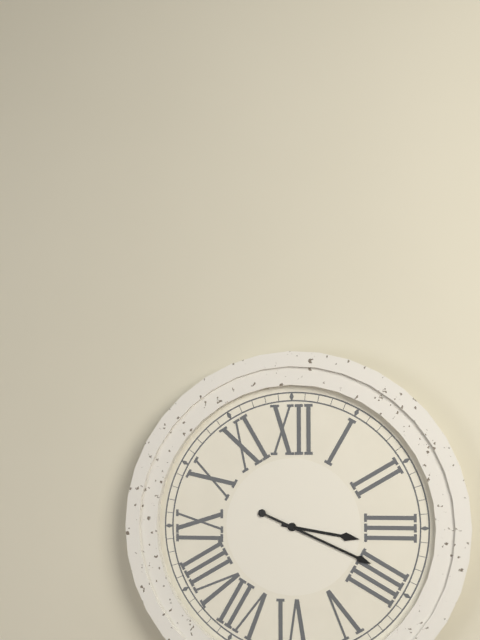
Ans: 3:19
